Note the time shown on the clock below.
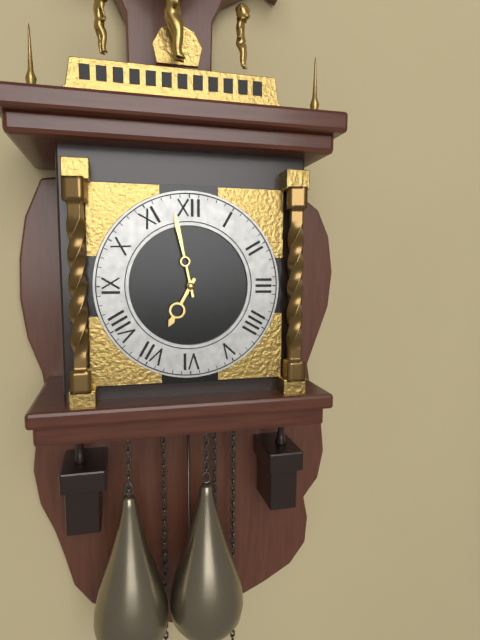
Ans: 6:58
